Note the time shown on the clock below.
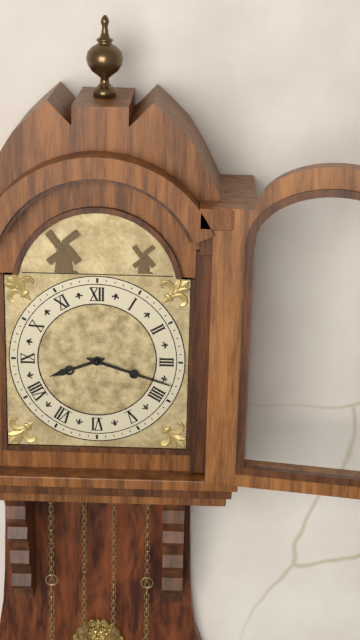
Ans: 8:18
